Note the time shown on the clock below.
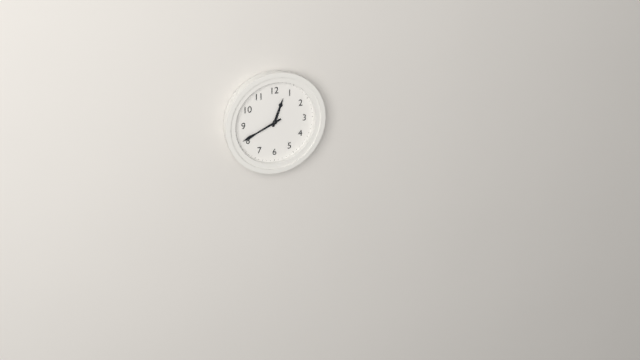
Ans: 12:41
